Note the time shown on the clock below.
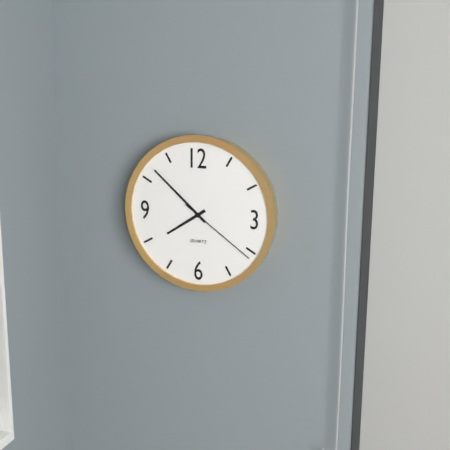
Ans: 7:52:21
